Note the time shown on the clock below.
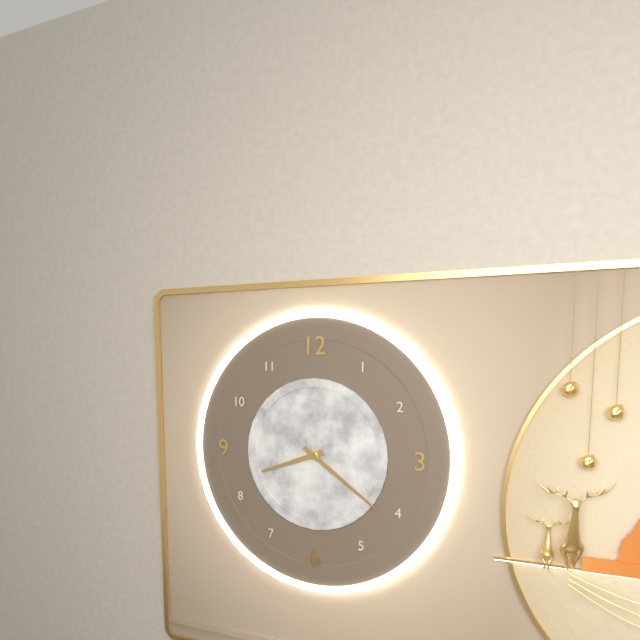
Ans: 8:21
